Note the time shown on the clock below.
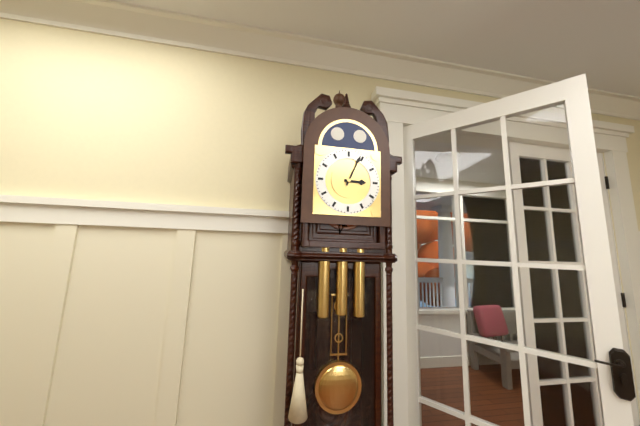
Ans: 3:04
